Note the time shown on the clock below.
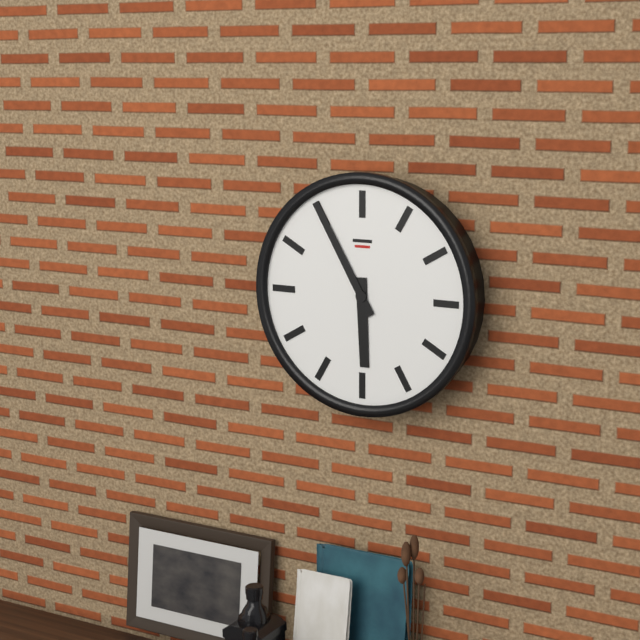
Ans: 5:55
